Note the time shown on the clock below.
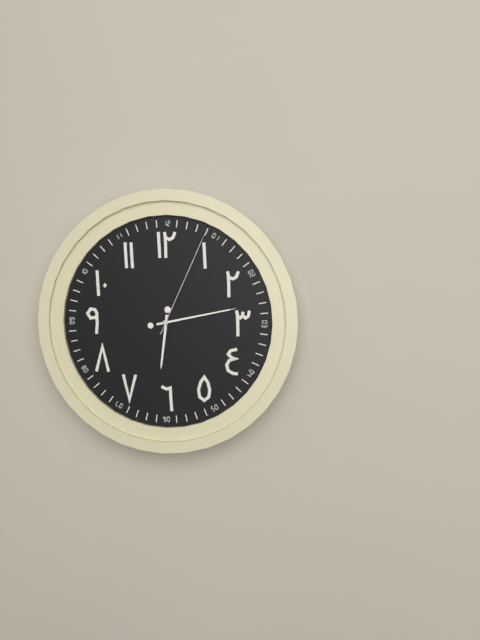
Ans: 6:13:04
